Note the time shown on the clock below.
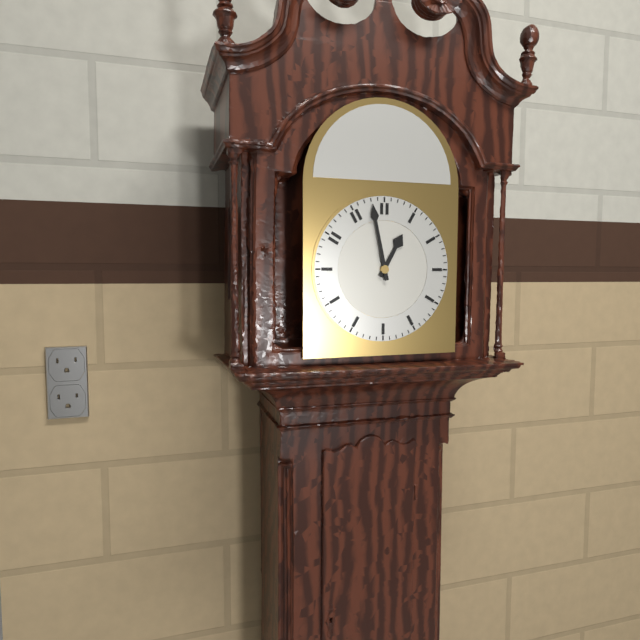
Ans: 12:58
